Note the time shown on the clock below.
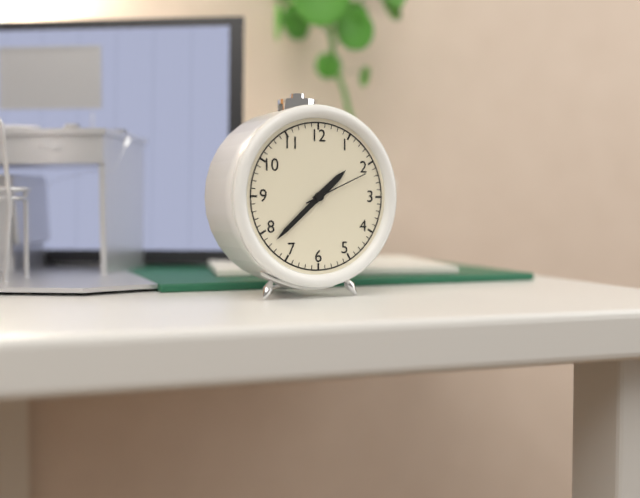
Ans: 1:38:11
